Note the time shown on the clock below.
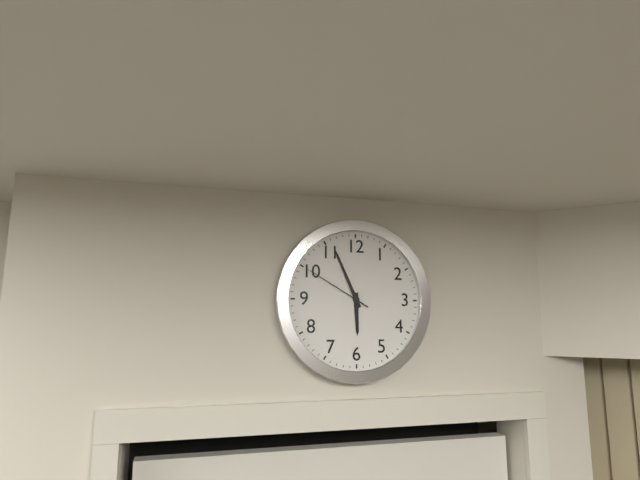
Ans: 5:56:50
